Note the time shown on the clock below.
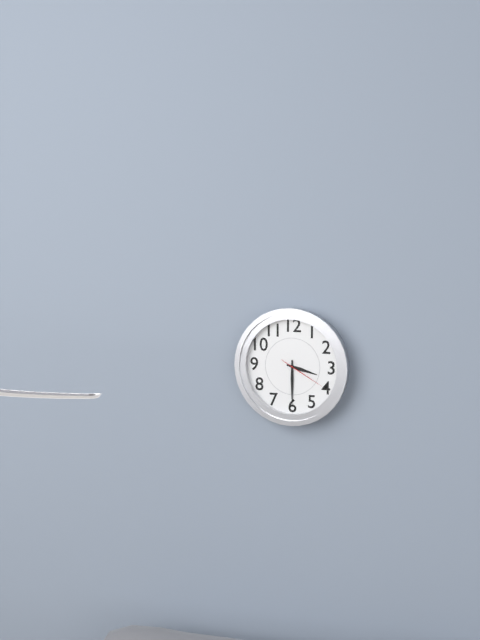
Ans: 3:30
